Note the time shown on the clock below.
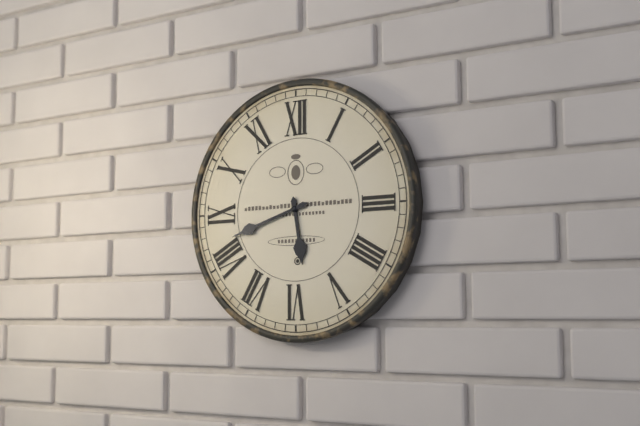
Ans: 5:42
